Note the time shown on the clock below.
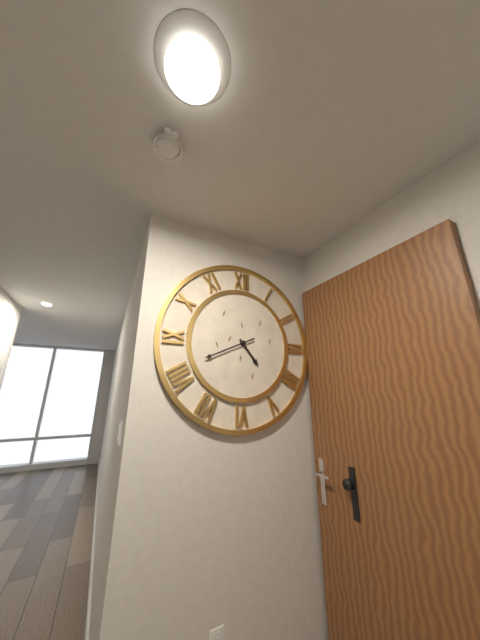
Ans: 4:41
